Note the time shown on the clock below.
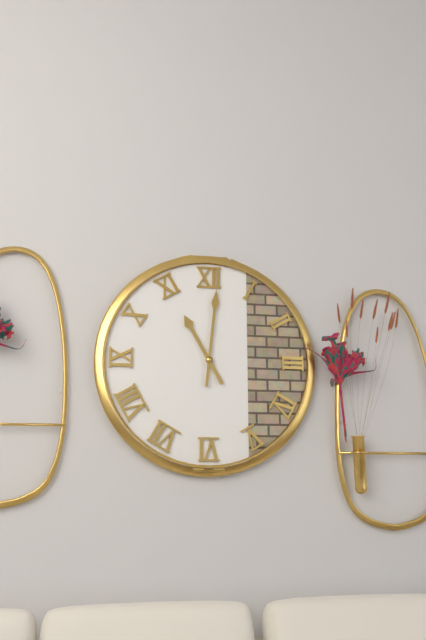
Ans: 11:01
